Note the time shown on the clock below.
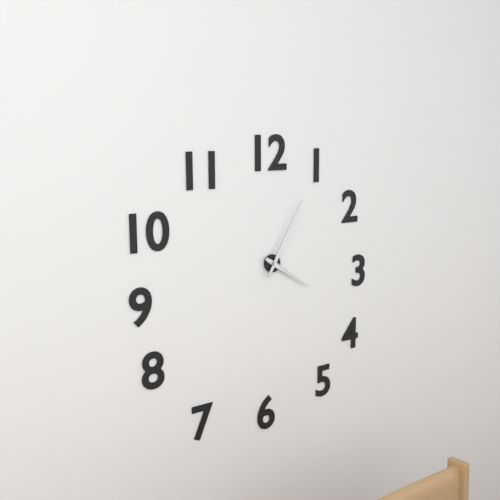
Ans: 4:05
